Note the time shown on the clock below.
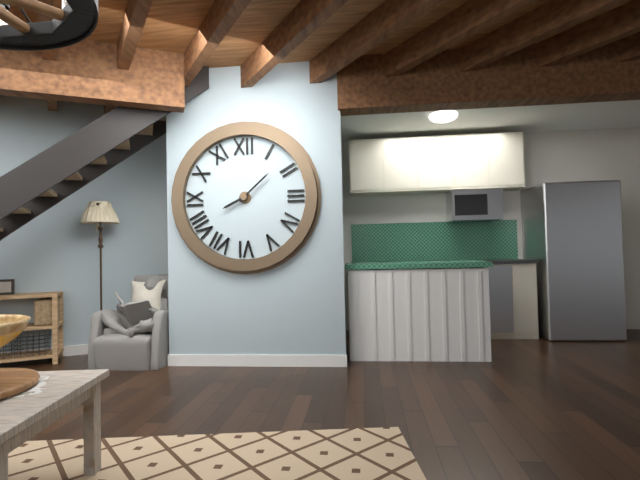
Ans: 8:08
